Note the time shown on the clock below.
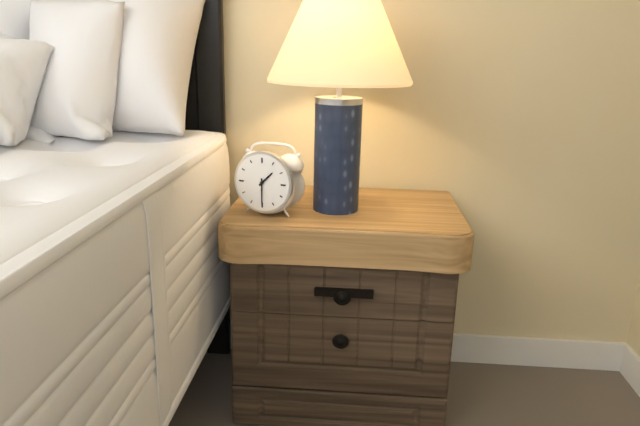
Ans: 1:30
